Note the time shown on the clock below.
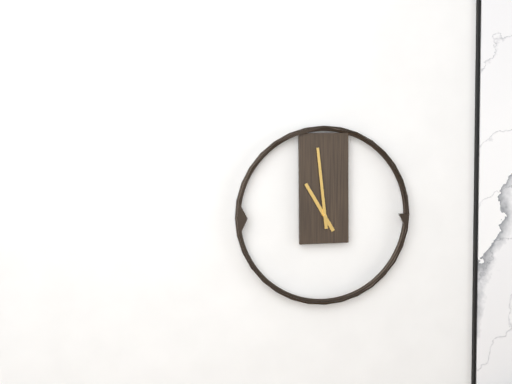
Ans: 10:59
